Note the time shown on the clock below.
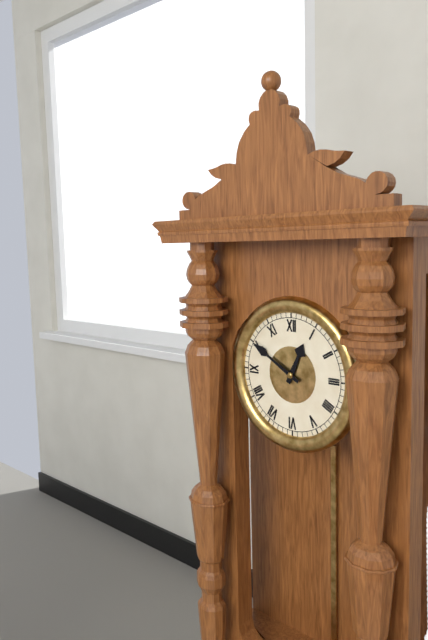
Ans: 12:50
